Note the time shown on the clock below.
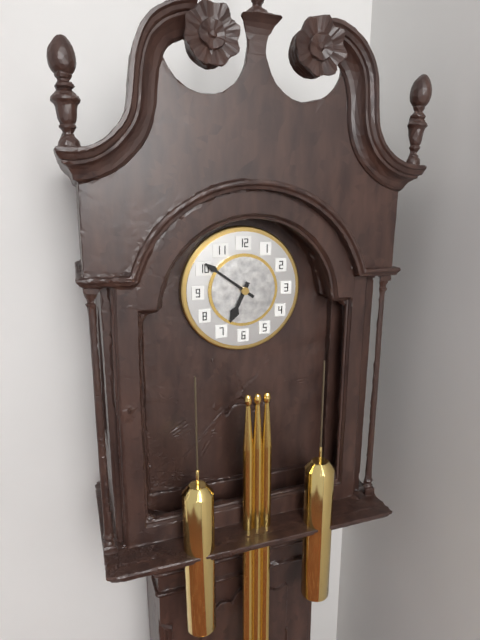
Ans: 6:51
